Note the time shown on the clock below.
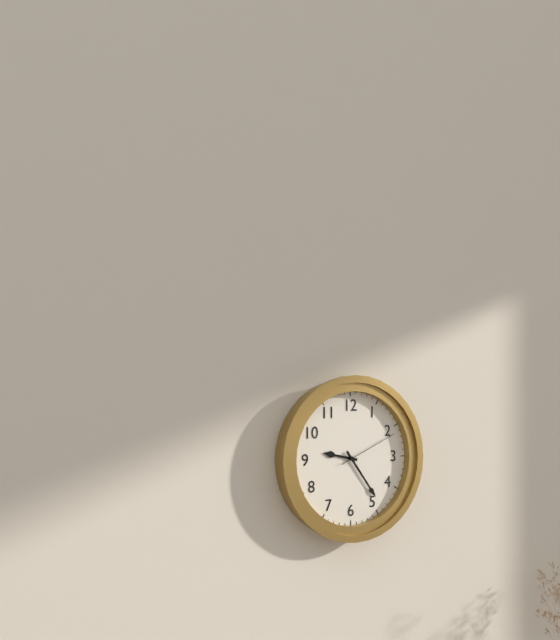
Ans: 9:24:11
